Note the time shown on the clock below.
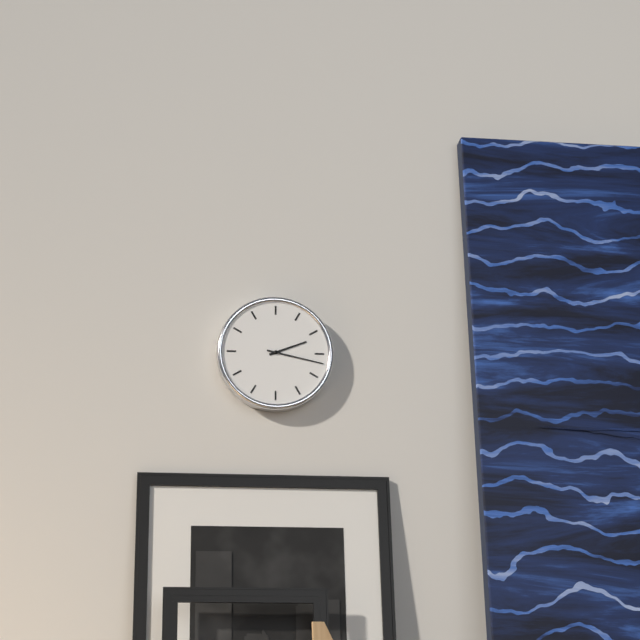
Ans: 2:17
